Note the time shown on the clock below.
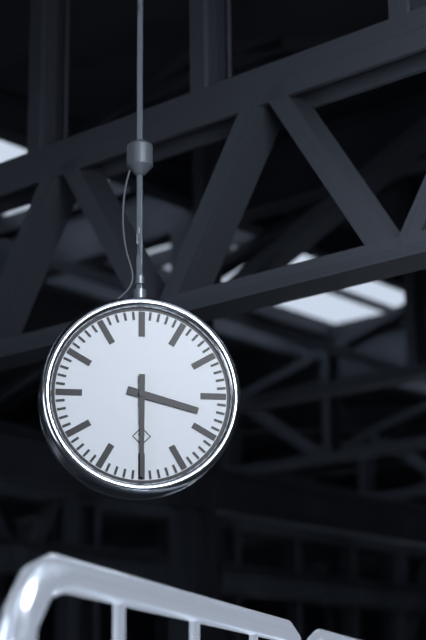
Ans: 3:30
